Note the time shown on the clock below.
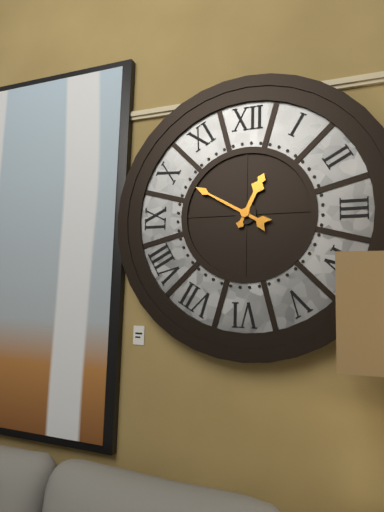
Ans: 12:50
